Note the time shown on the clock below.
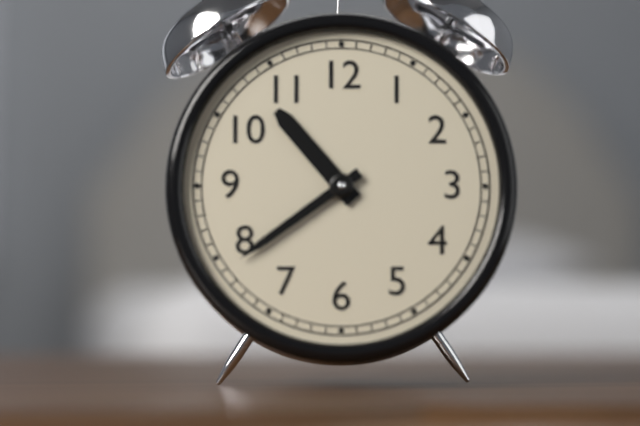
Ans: 10:39
